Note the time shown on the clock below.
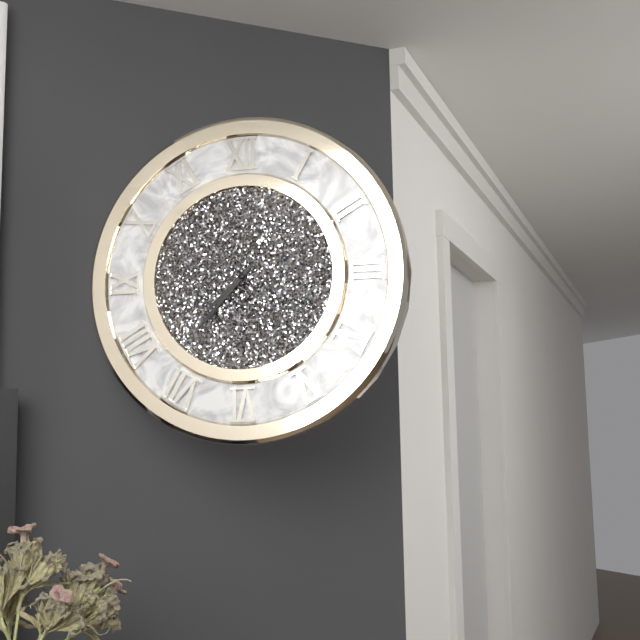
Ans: 7:37
